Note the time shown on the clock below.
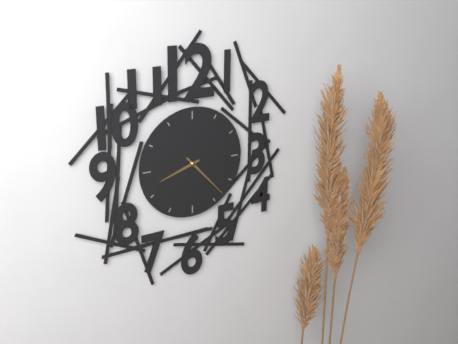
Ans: 8:23
